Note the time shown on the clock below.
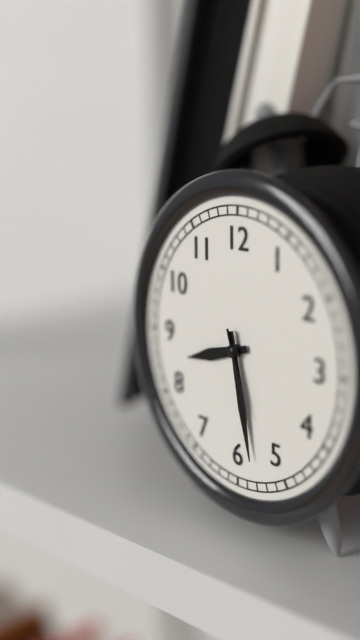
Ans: 8:28:27
